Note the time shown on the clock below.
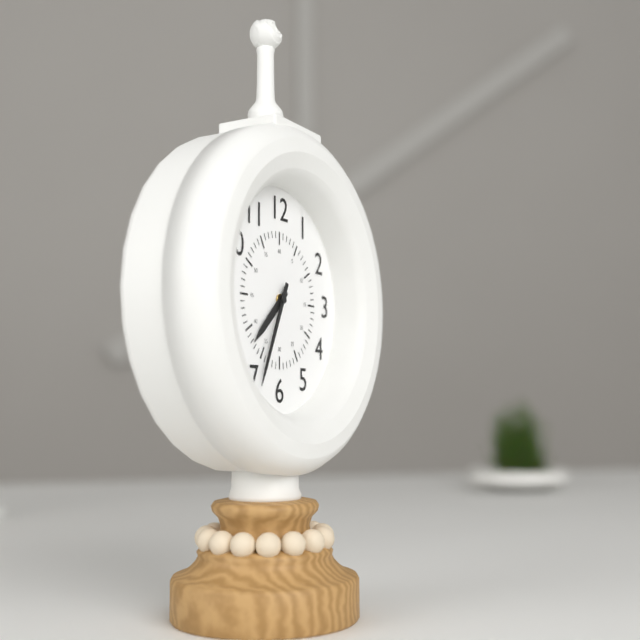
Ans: 7:34
